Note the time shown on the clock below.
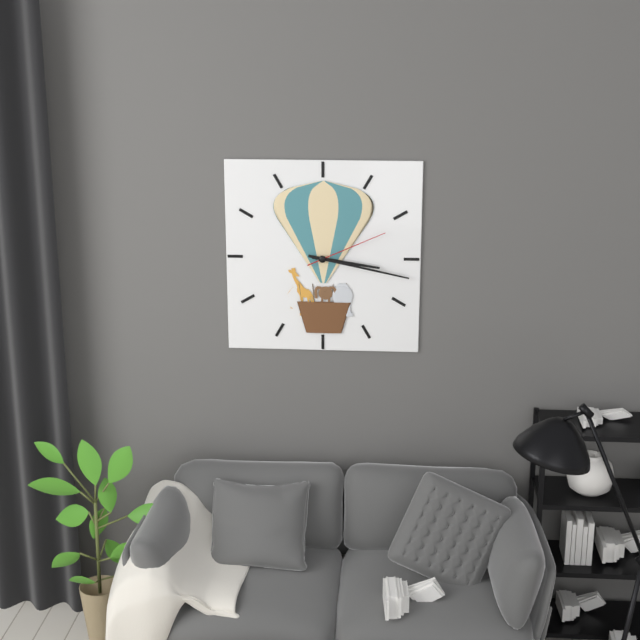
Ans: 3:17:11
